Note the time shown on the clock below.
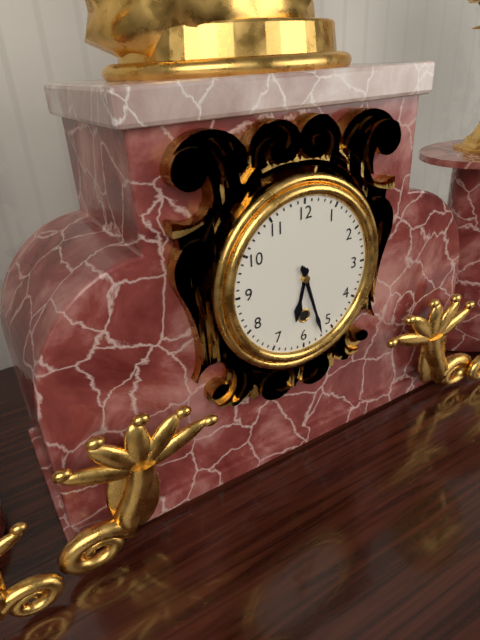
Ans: 6:27
